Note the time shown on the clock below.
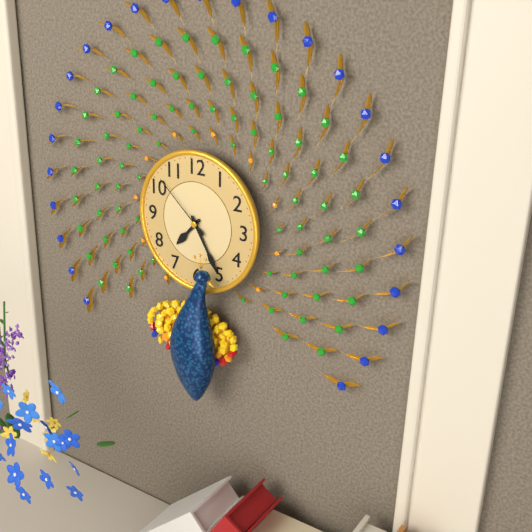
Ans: 7:25:52
